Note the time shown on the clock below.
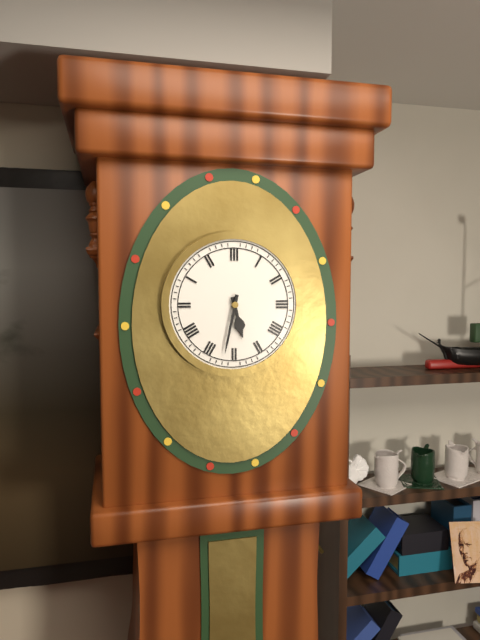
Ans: 5:32
